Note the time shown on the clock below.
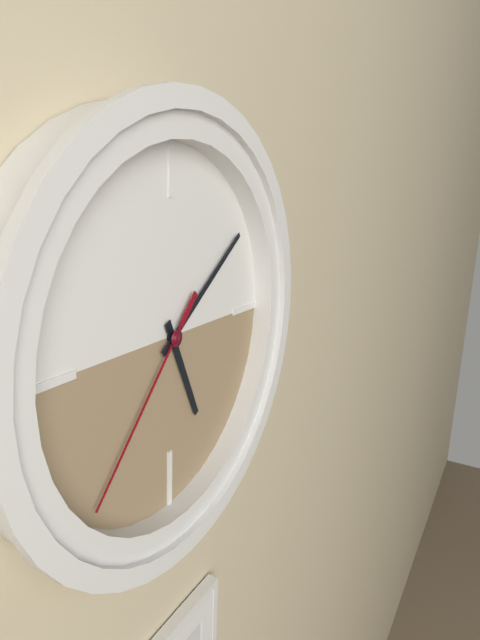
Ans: 5:09:37
